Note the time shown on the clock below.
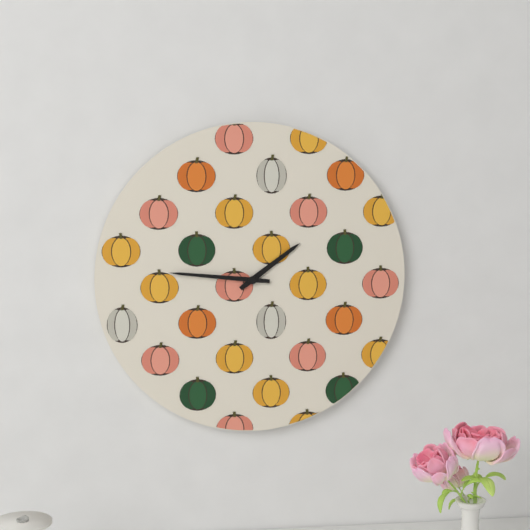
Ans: 1:46
